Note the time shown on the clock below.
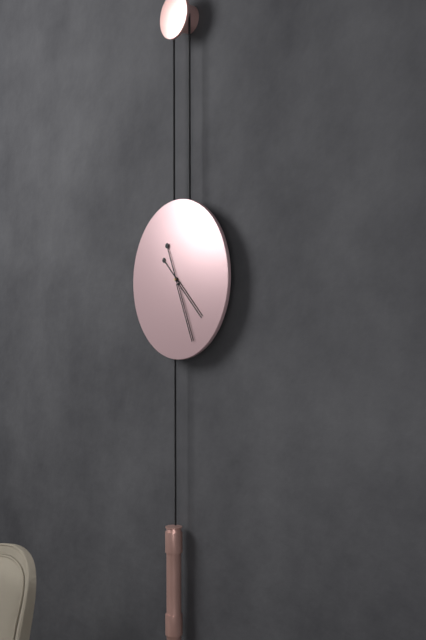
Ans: 4:26
